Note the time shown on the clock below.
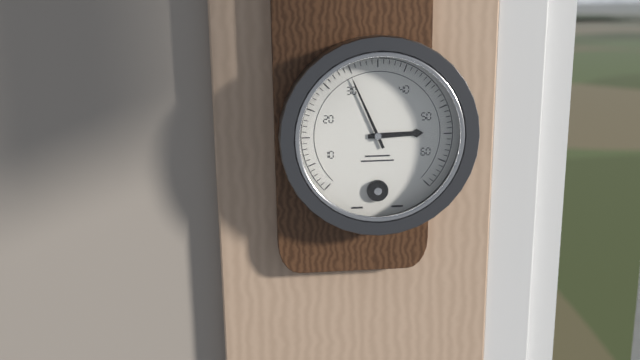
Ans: 2:56
